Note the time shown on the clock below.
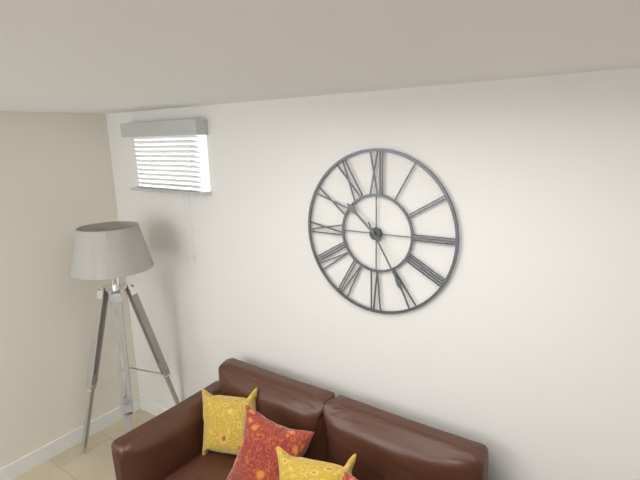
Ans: 10:25
